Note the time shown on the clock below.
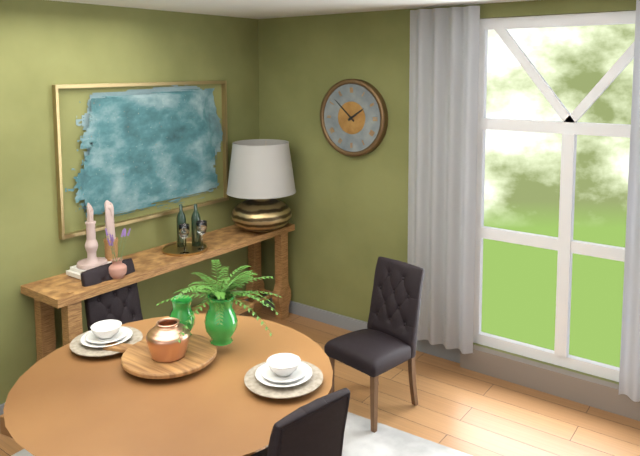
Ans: 1:52
